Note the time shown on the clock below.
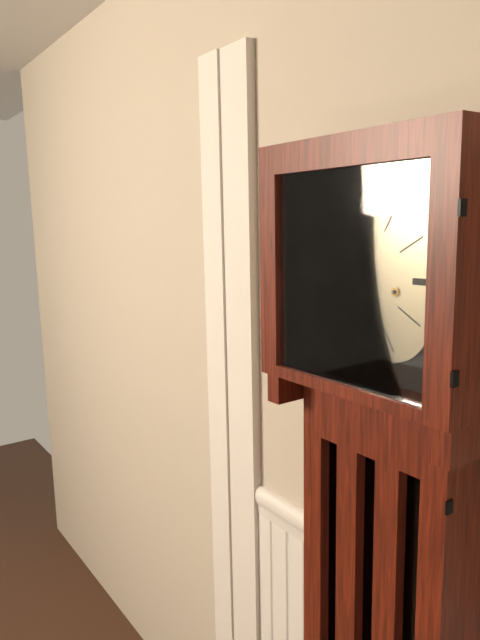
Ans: 11:31
